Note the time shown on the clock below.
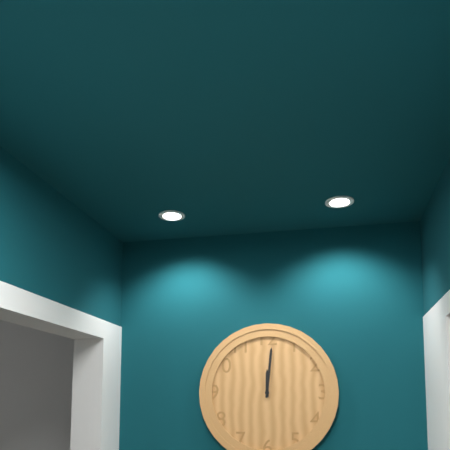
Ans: 12:01
